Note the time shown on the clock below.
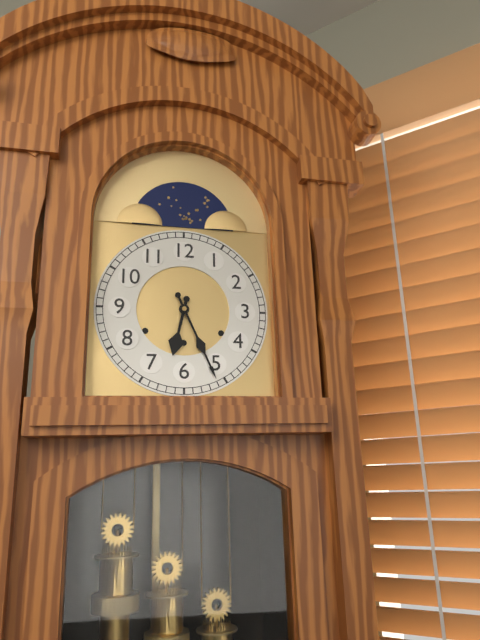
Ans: 6:26
